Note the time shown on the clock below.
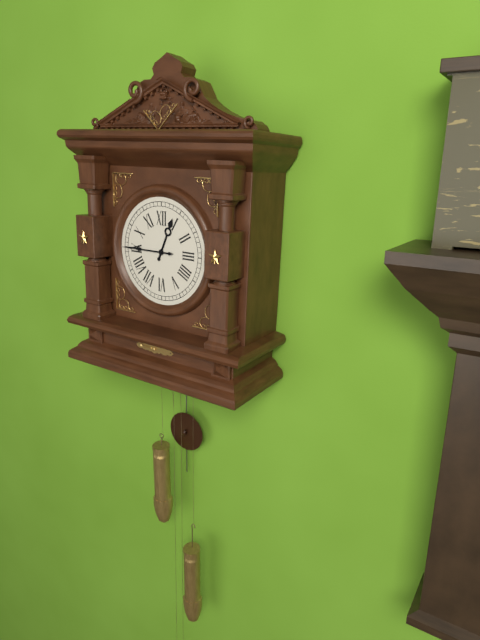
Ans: 12:45
